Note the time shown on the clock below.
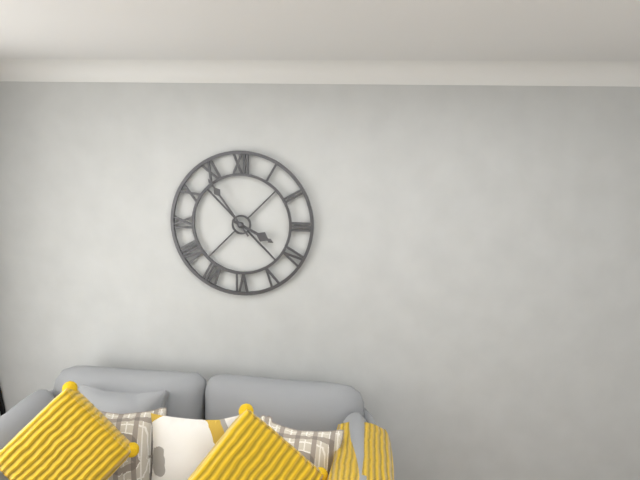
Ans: 3:54
